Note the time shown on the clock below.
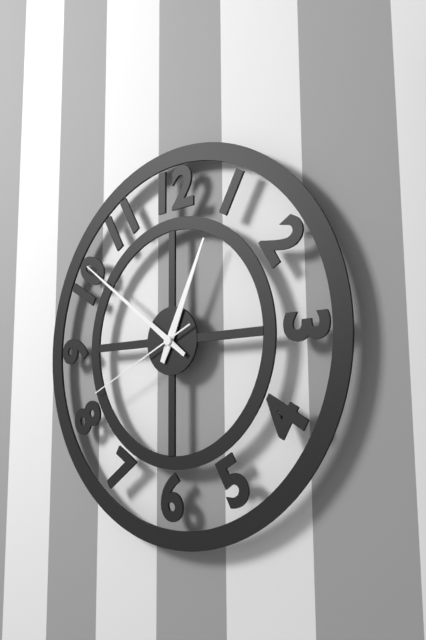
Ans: 12:51:41
